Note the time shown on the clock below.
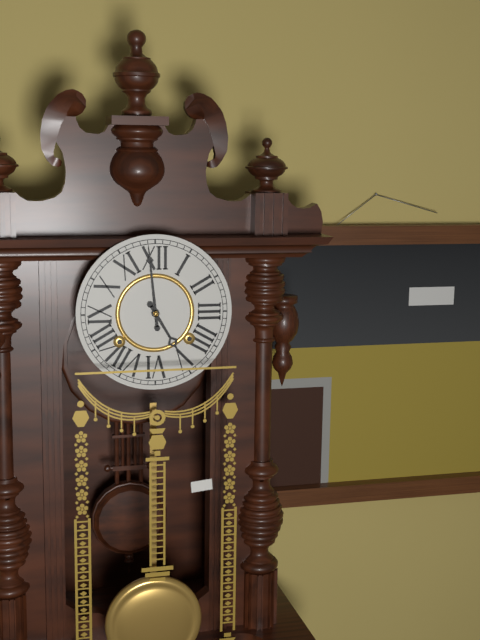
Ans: 4:59
